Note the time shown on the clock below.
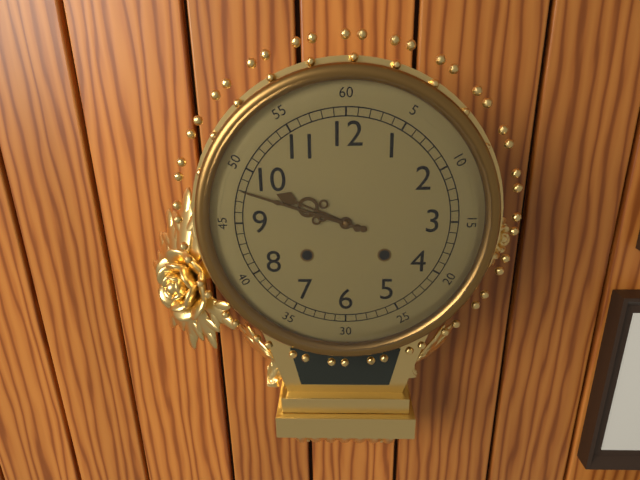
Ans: 9:48
